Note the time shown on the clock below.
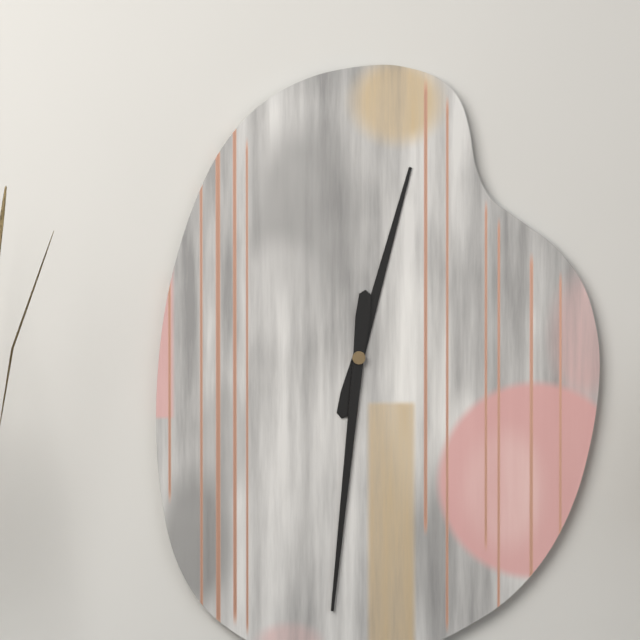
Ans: 12:31
